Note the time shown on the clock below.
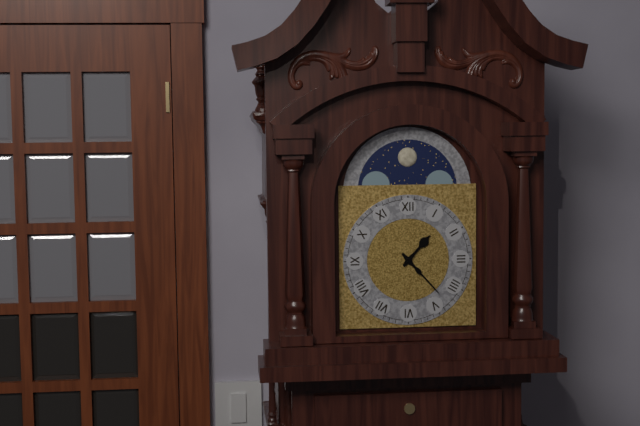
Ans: 1:23
